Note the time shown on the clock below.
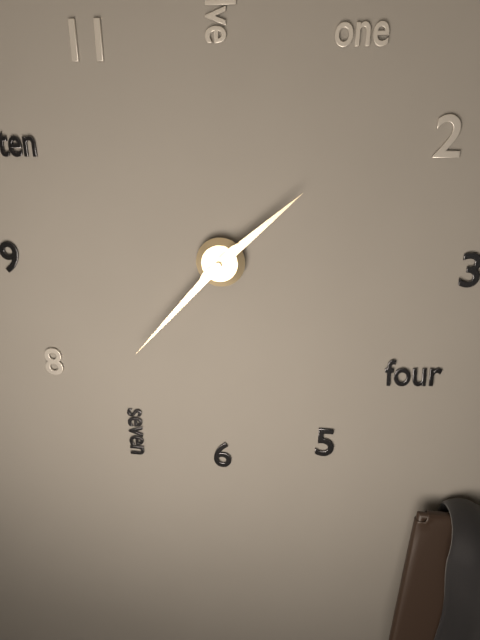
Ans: 1:37
